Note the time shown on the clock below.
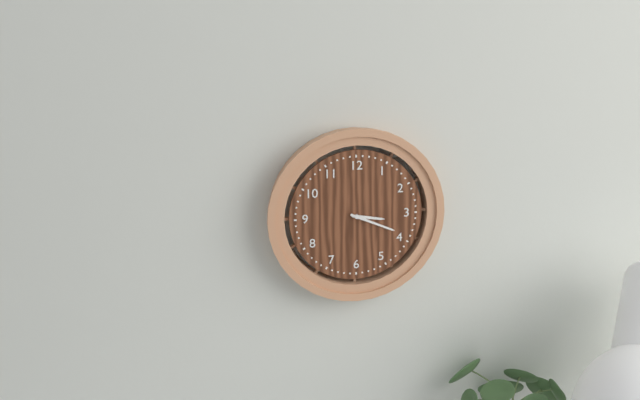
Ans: 3:19
